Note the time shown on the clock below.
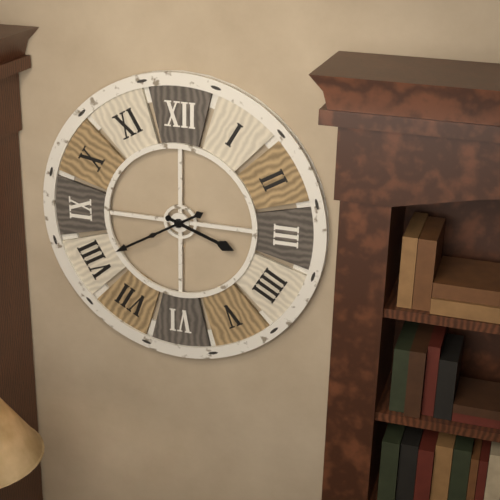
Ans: 3:40
